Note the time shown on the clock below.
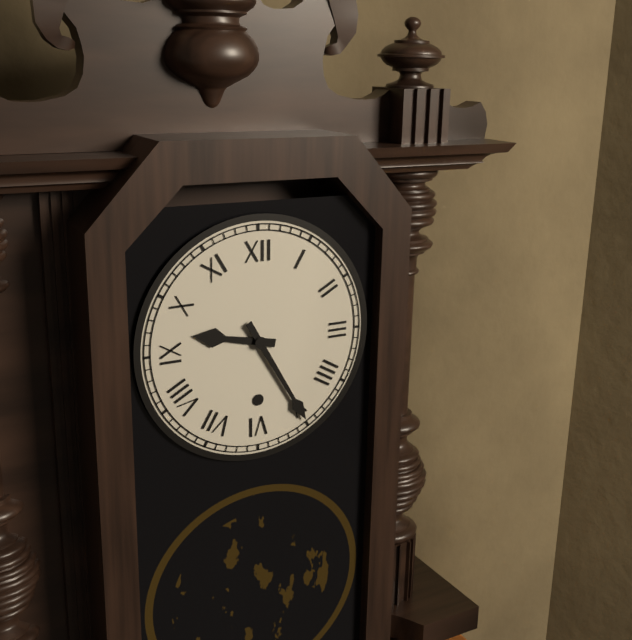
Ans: 9:25
